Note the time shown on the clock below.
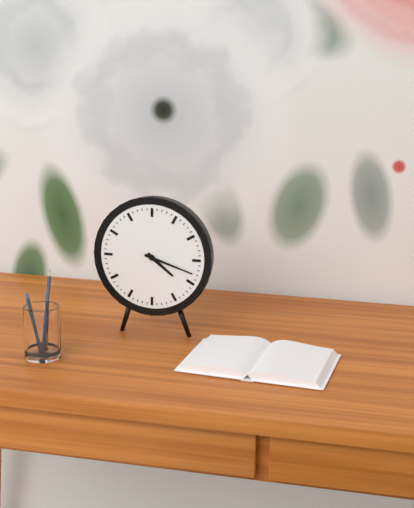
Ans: 4:18
